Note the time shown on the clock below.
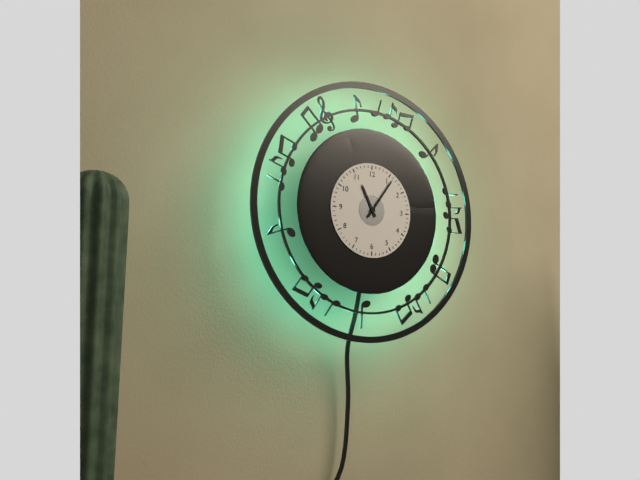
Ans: 11:06
